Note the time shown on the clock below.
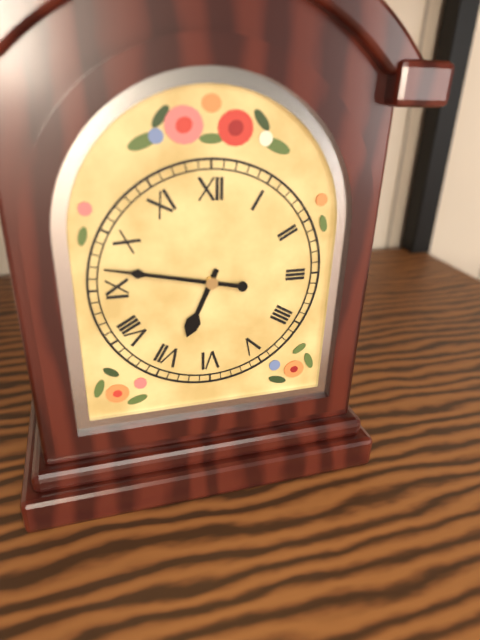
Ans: 6:47
